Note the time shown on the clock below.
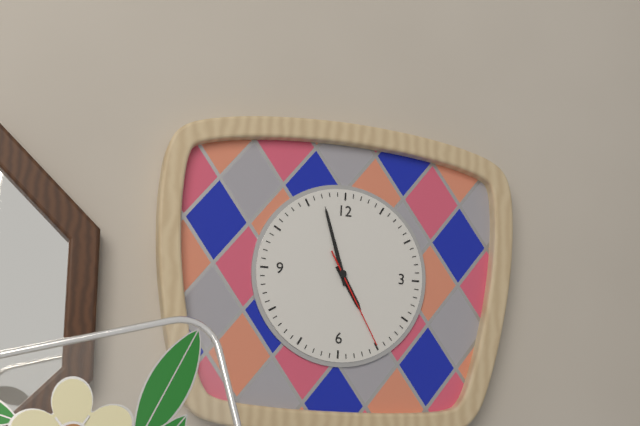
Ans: 4:57:25
